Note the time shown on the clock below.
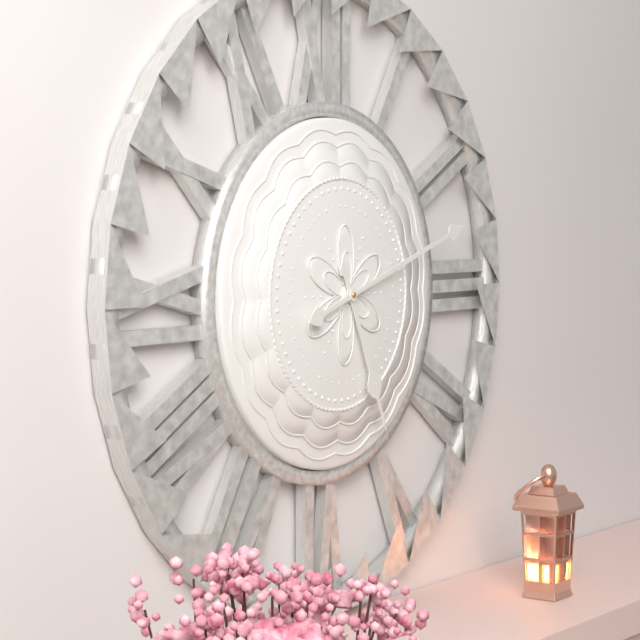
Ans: 5:12
